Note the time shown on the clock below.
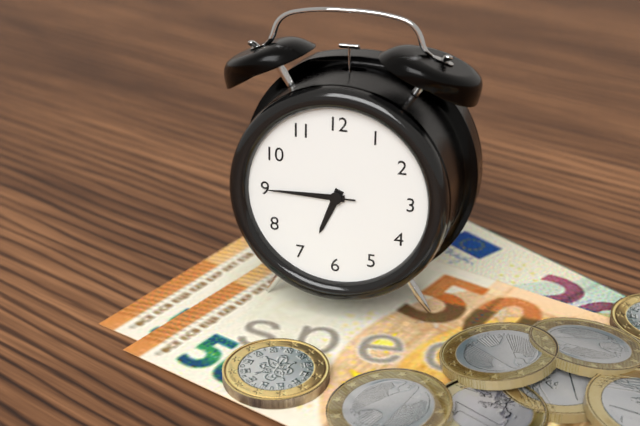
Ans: 6:45:45
